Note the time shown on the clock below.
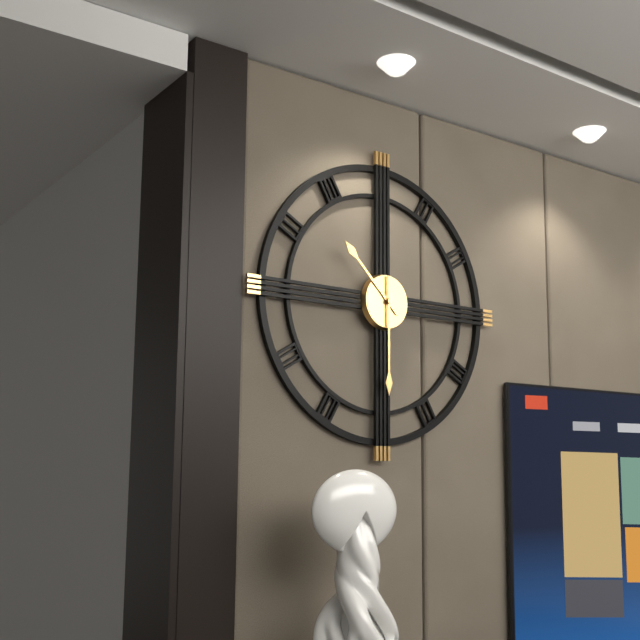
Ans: 10:30
